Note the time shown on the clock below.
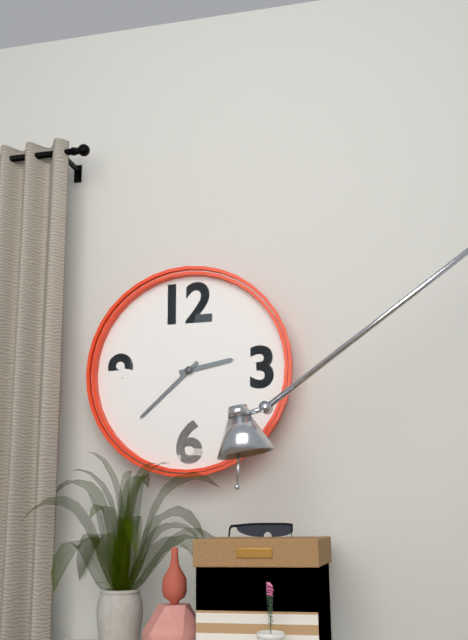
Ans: 2:38
